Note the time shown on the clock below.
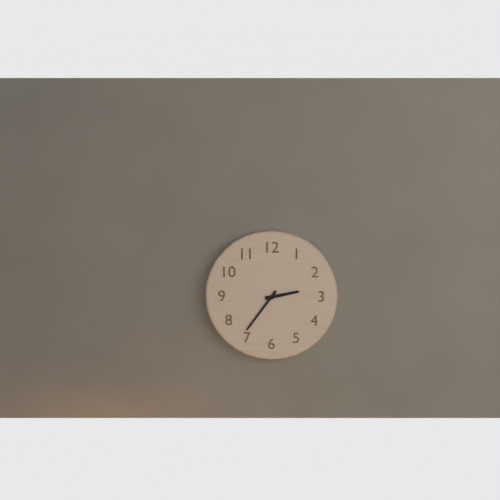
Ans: 2:36
